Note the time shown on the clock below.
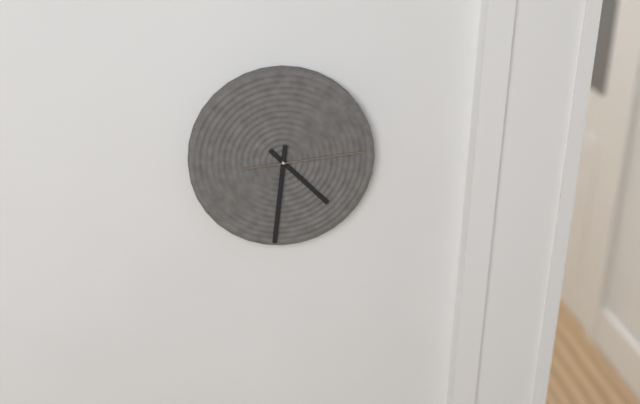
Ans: 4:31:14
